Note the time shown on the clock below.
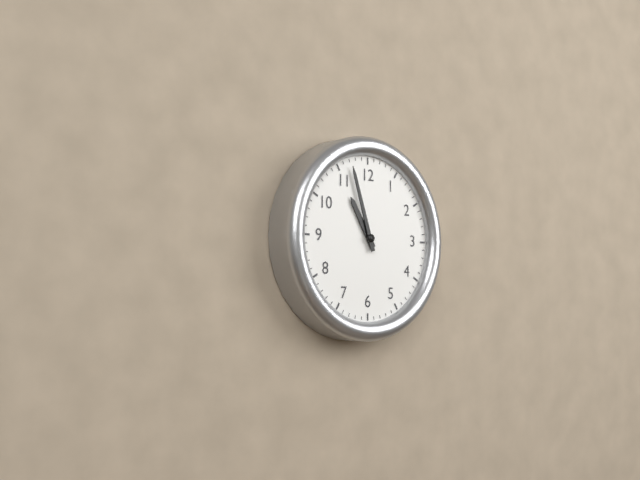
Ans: 10:57
